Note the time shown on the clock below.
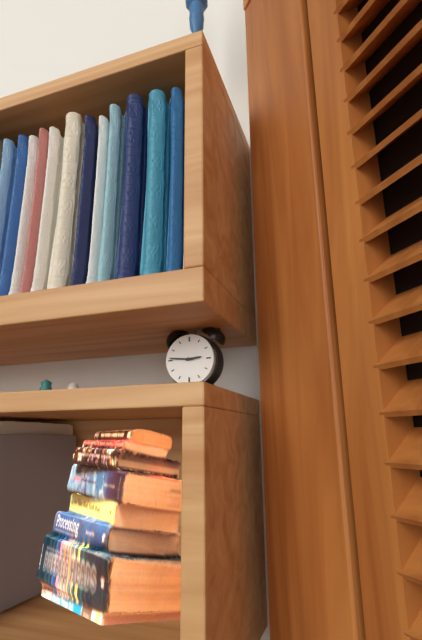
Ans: 2:46
